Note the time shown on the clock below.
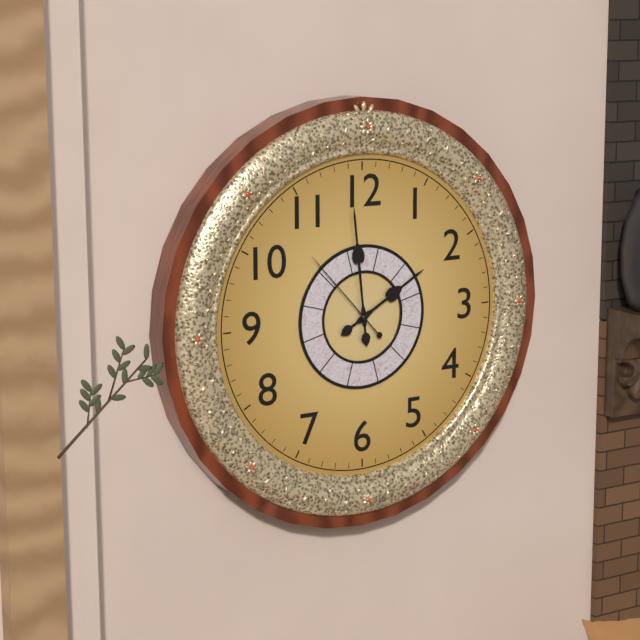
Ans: 1:59:53
